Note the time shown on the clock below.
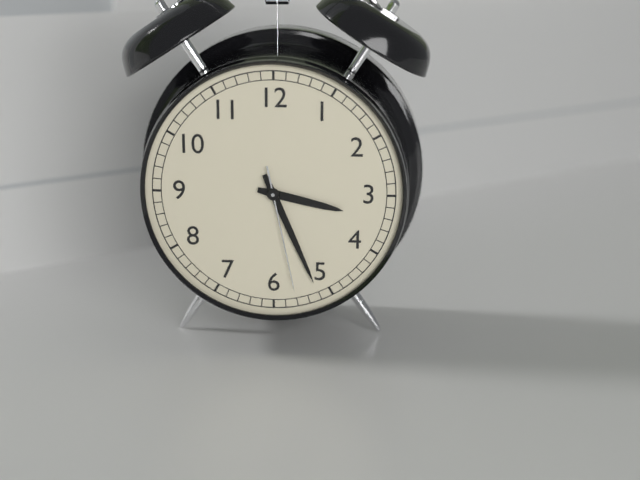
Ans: 3:26:28
